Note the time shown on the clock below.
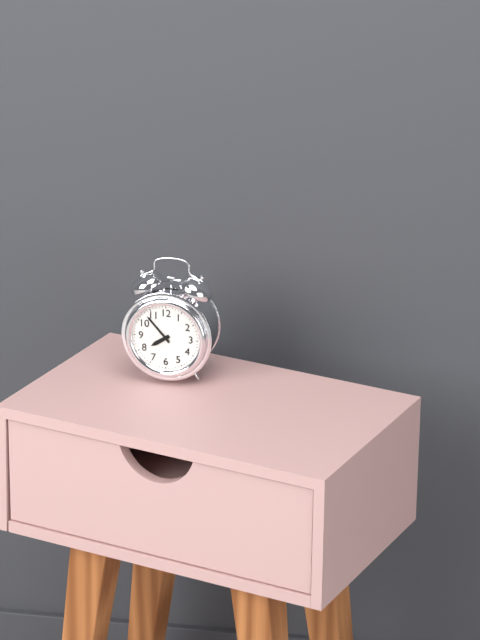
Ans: 7:53
